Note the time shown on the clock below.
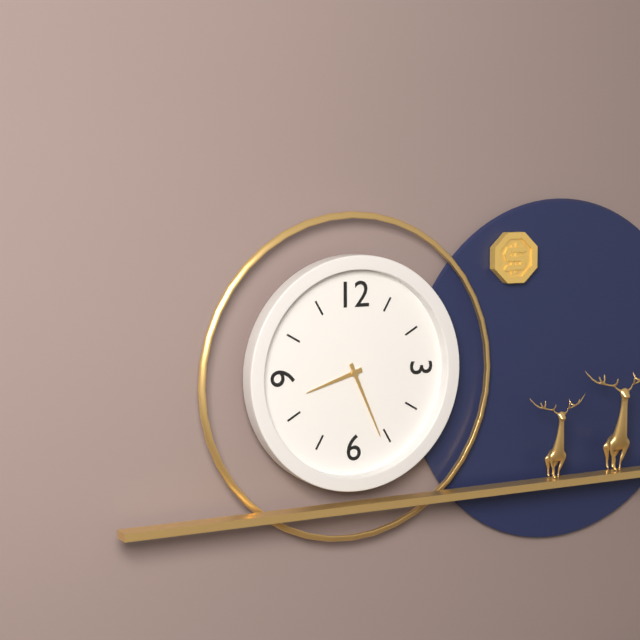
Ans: 8:26
